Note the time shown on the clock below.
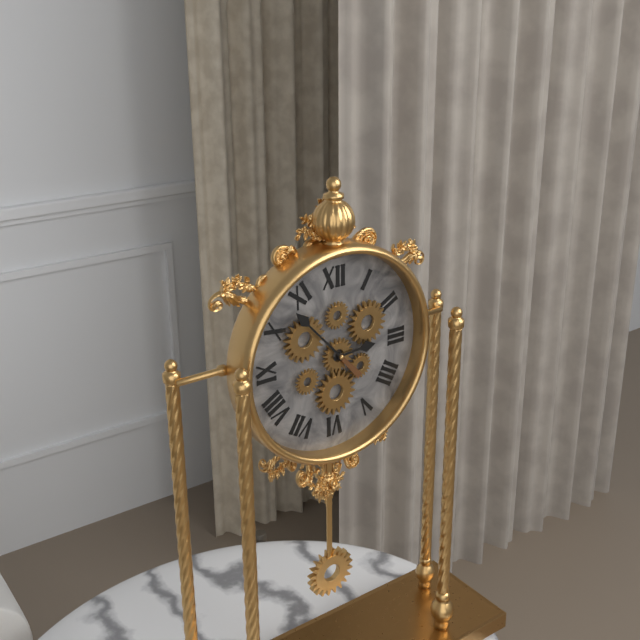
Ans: 2:53
